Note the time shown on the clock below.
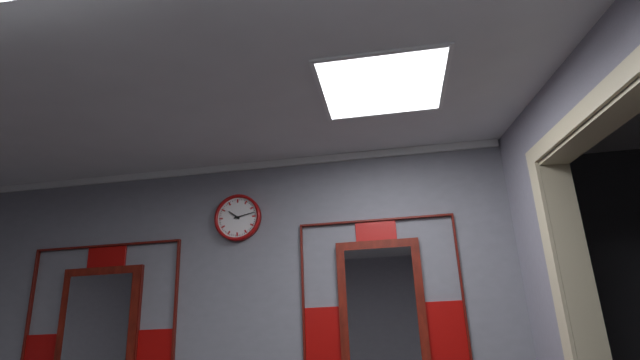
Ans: 10:13
